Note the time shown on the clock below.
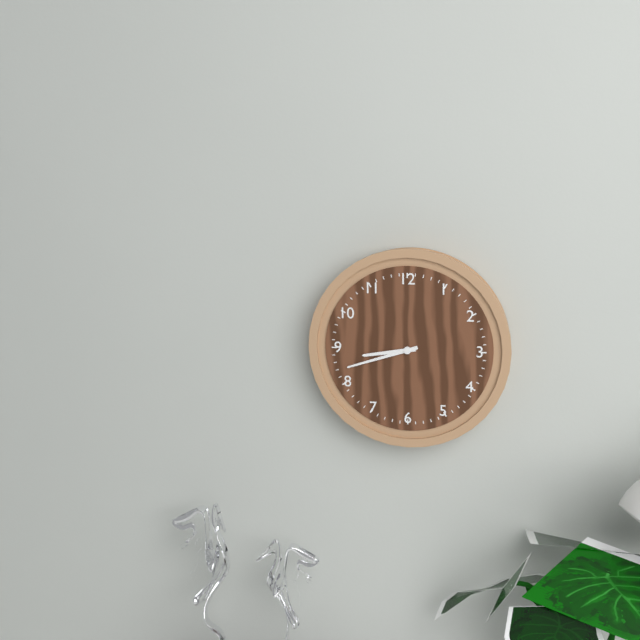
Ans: 8:42
